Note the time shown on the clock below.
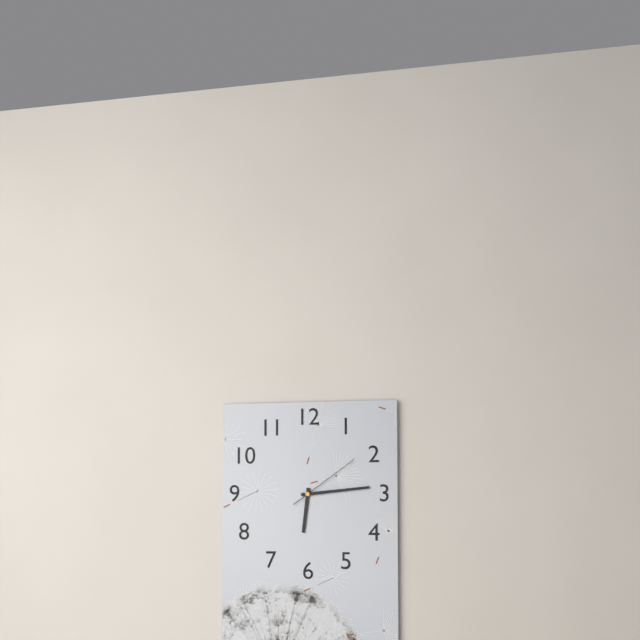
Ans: 6:14:09
